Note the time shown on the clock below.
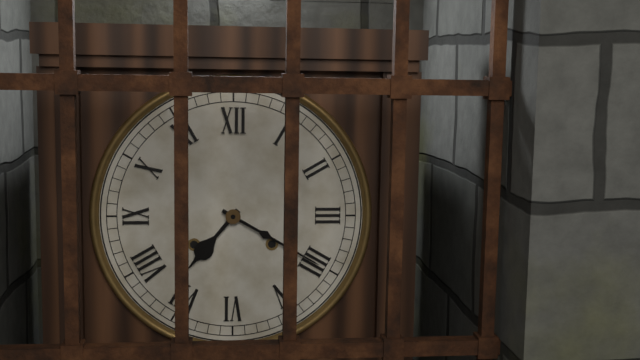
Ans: 7:20
